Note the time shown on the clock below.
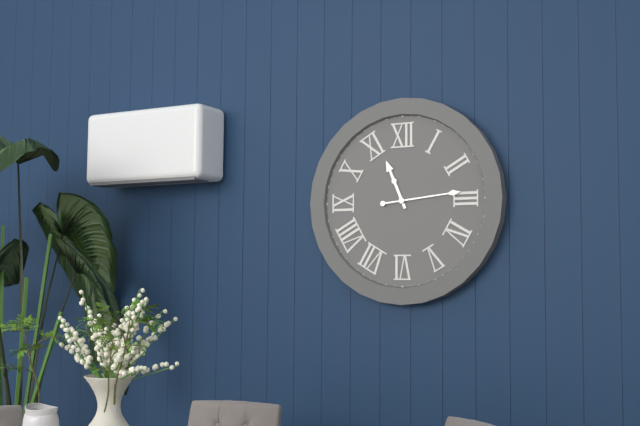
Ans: 11:14
